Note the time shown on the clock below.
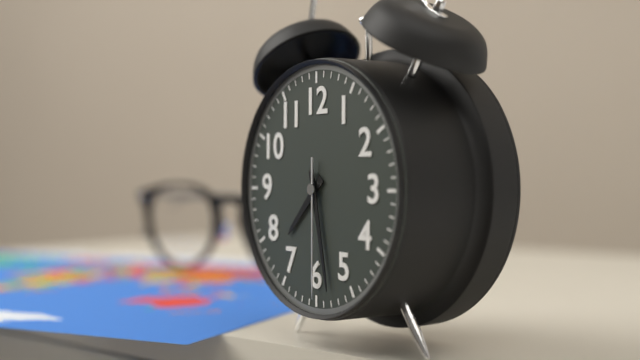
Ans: 7:28:30
